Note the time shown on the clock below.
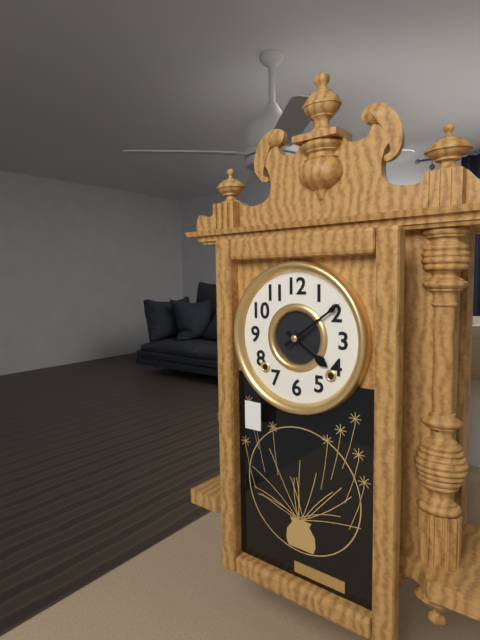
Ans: 4:09
